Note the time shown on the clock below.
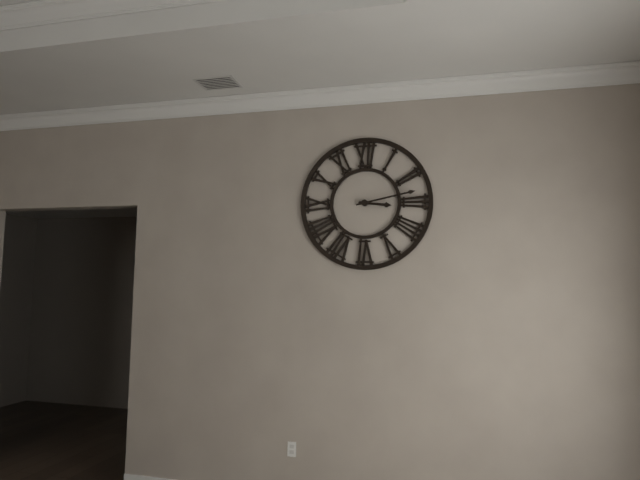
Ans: 3:13
